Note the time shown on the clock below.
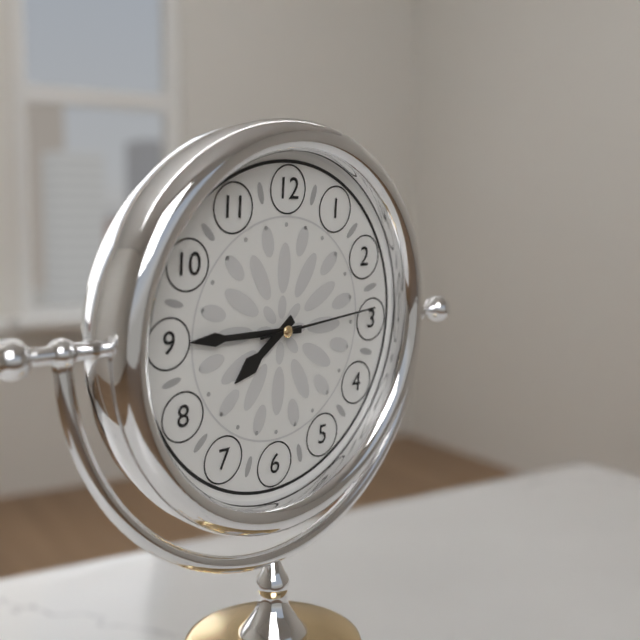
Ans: 7:45:14
